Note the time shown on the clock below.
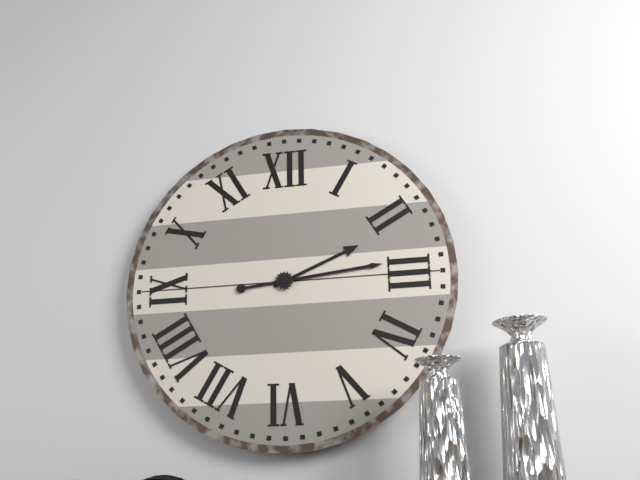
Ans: 2:14
